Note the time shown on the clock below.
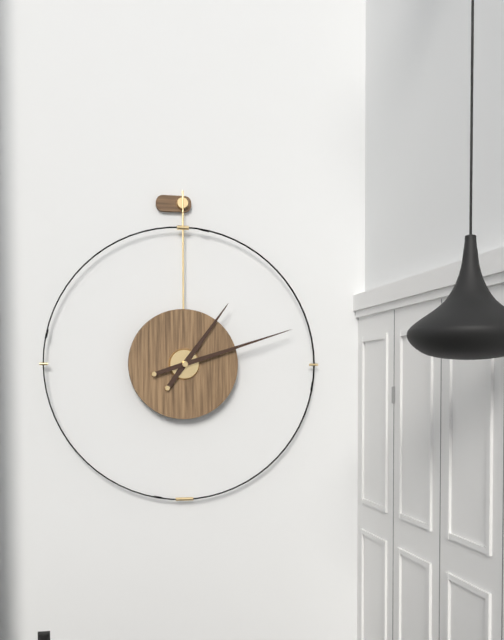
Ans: 1:12
